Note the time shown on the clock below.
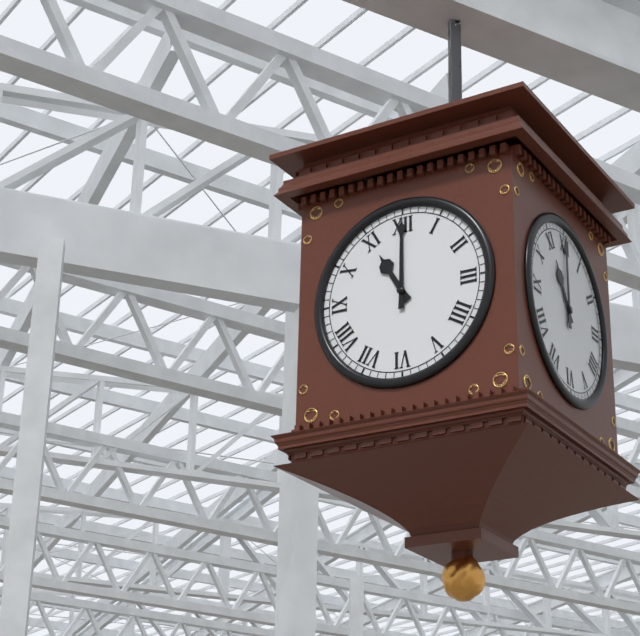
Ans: 11:00
